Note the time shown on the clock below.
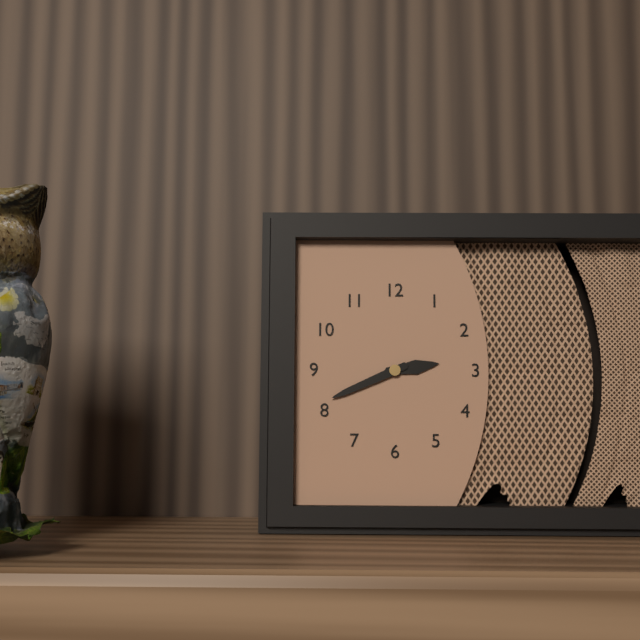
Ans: 2:41
